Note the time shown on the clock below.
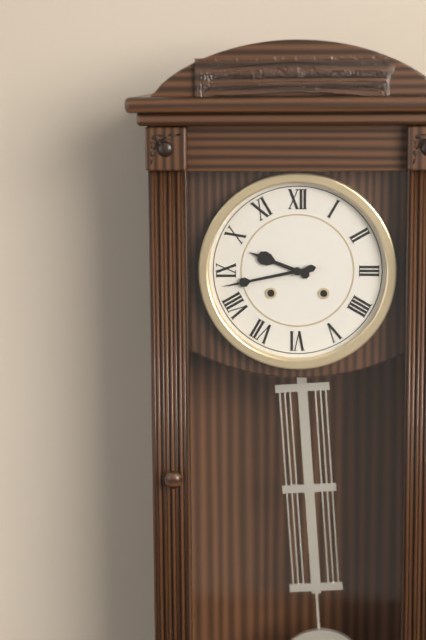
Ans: 9:43
